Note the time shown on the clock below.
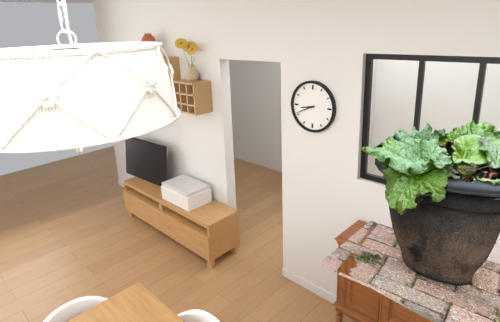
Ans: 8:41
